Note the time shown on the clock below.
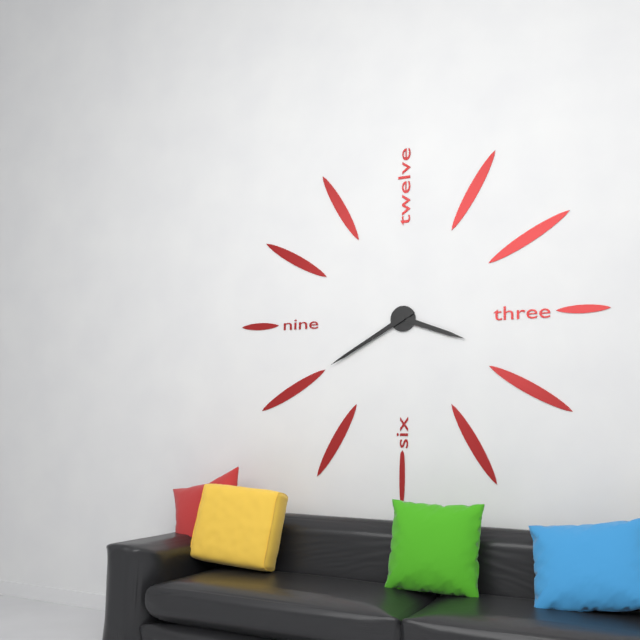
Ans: 3:40
